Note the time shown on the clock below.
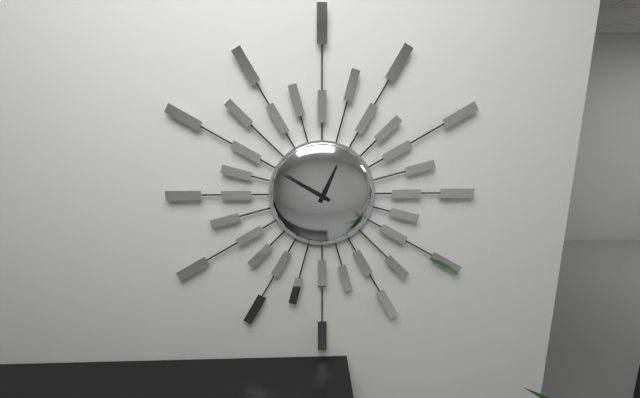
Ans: 12:50
